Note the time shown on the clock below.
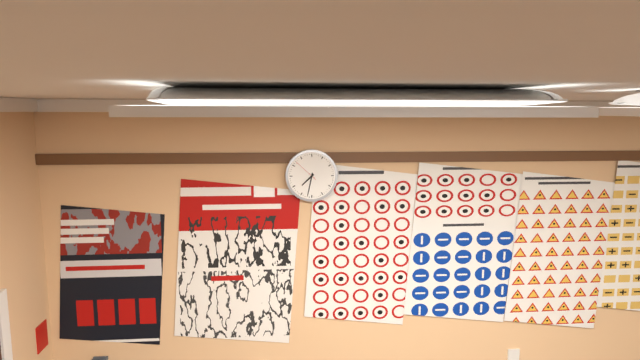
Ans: 7:32
